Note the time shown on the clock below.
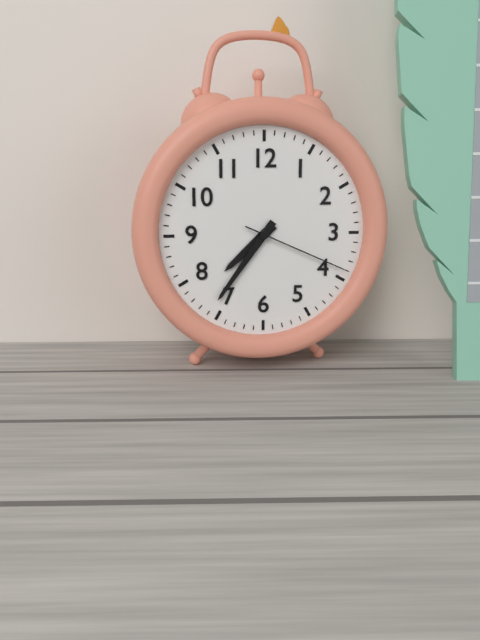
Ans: 7:36:19
